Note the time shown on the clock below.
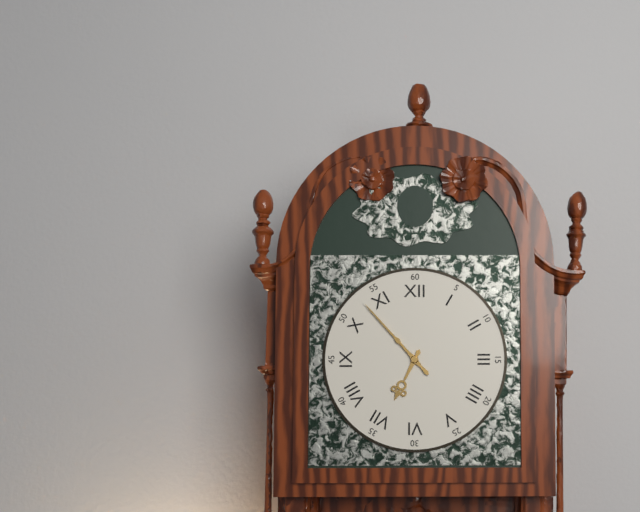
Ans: 6:53
